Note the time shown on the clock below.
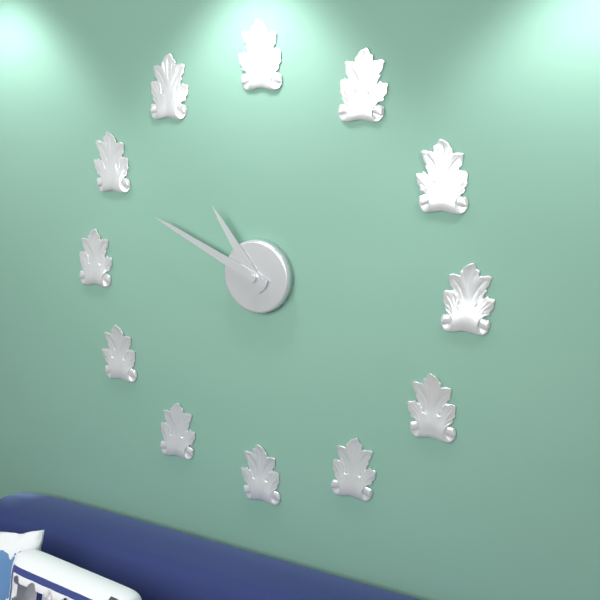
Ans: 10:49
